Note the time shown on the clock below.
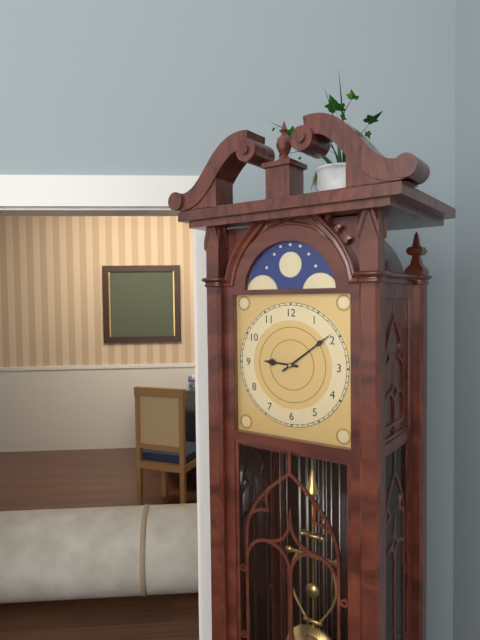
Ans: 9:09
